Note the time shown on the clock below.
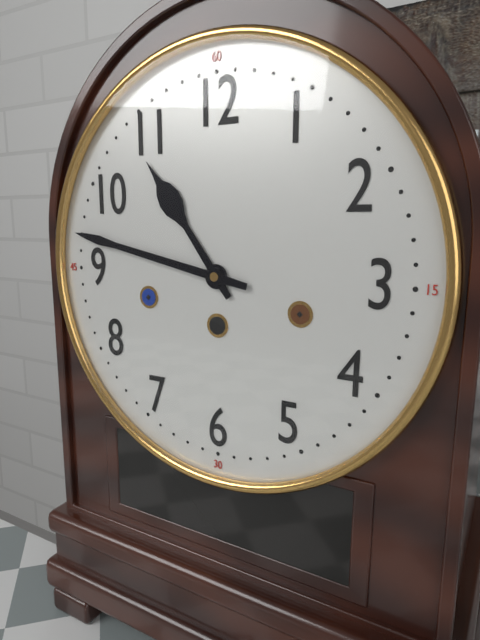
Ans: 10:47
